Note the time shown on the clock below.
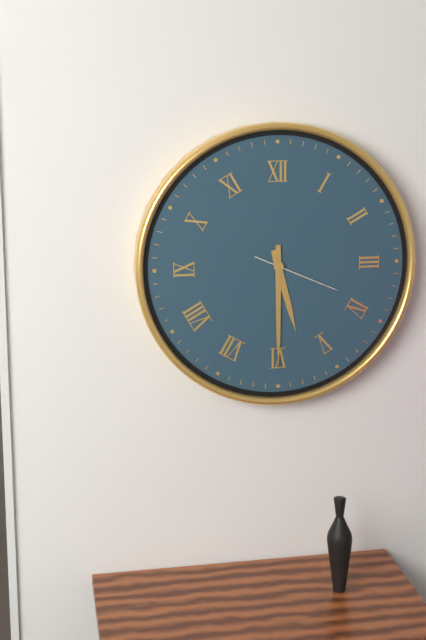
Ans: 5:30:19
